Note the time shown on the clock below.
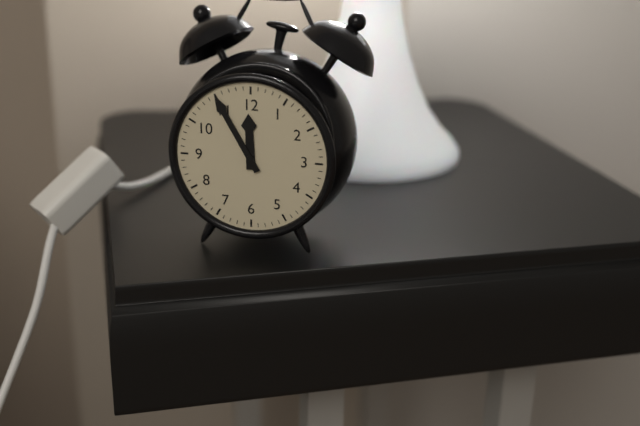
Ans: 11:55
